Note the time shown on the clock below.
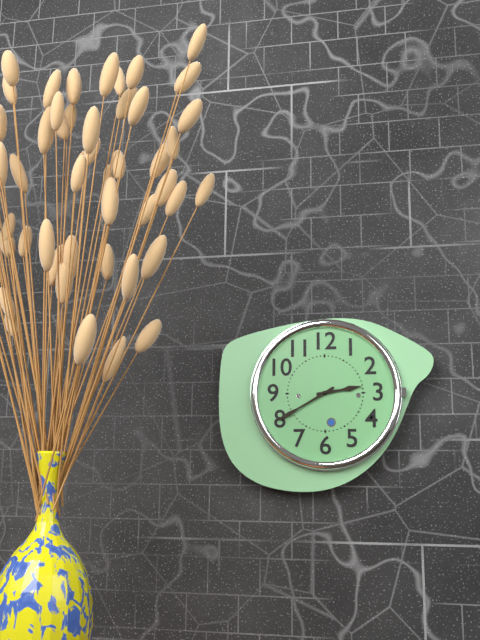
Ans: 2:40
